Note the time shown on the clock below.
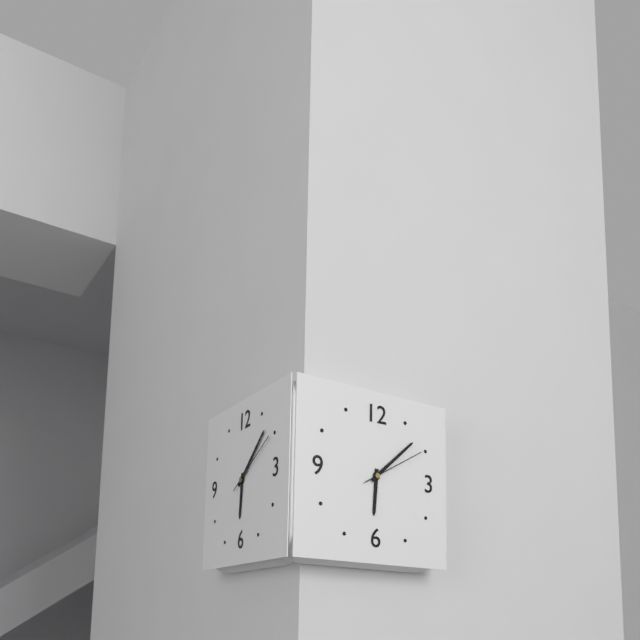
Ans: 6:08:10
